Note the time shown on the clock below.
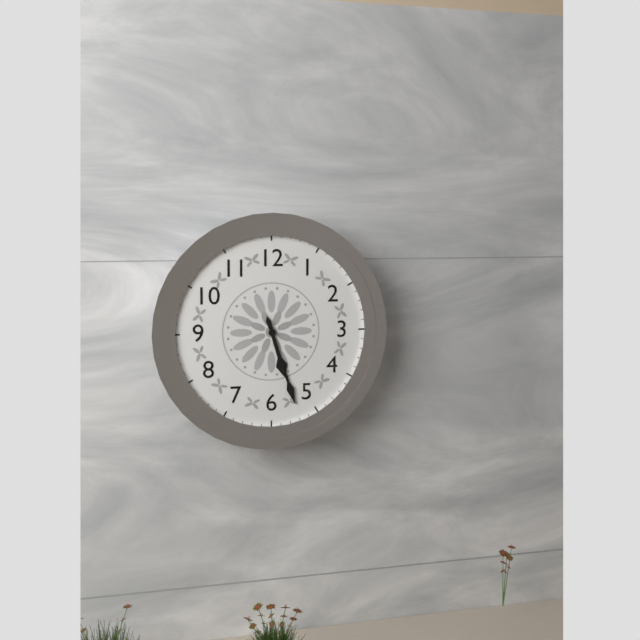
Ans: 5:27
